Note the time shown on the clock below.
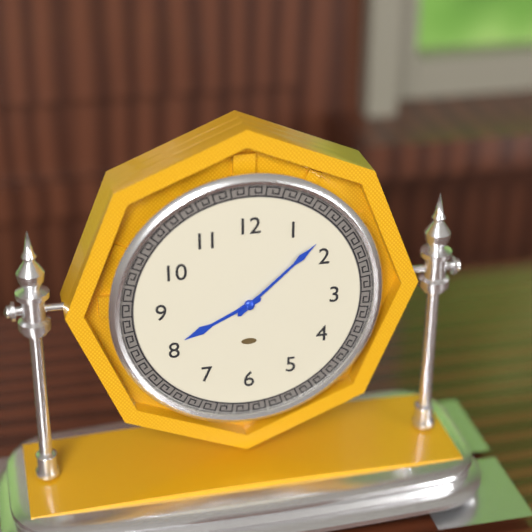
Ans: 8:08
